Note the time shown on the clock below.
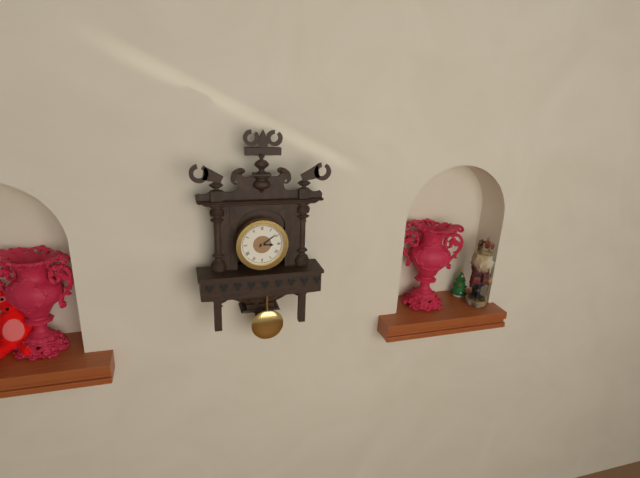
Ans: 3:09
